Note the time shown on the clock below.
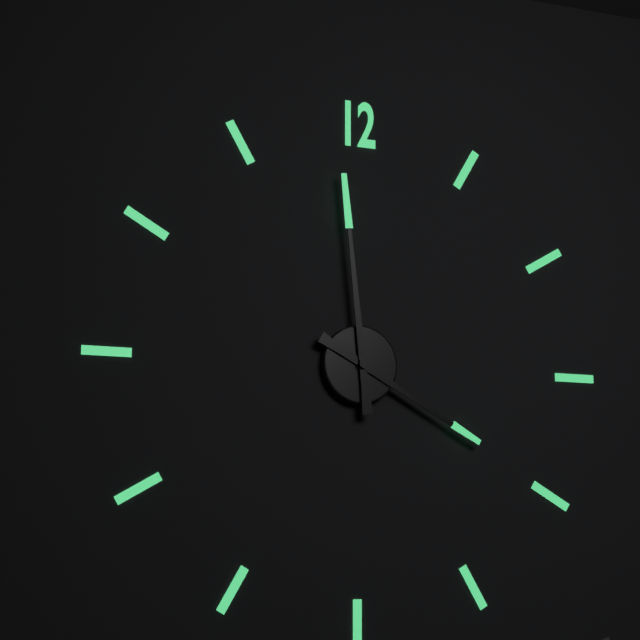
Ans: 3:59
